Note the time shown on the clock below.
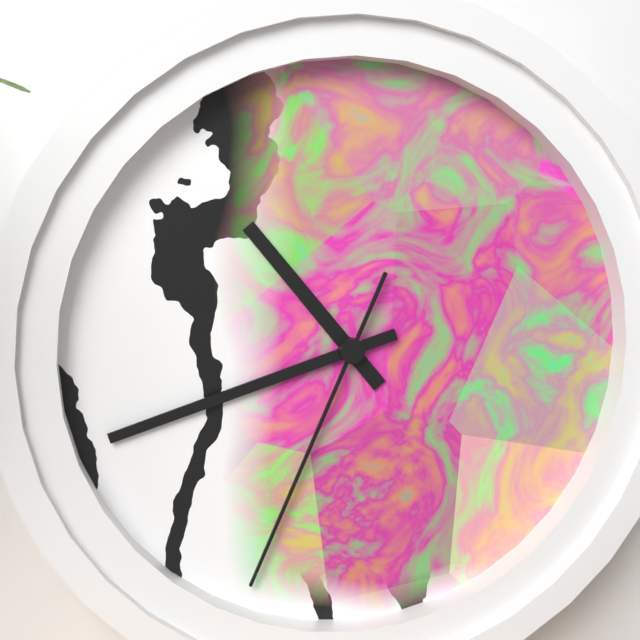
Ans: 10:42:34
